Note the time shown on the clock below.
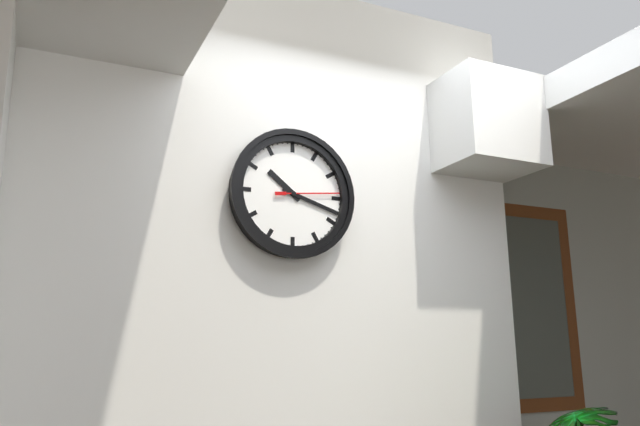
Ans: 10:18:14
